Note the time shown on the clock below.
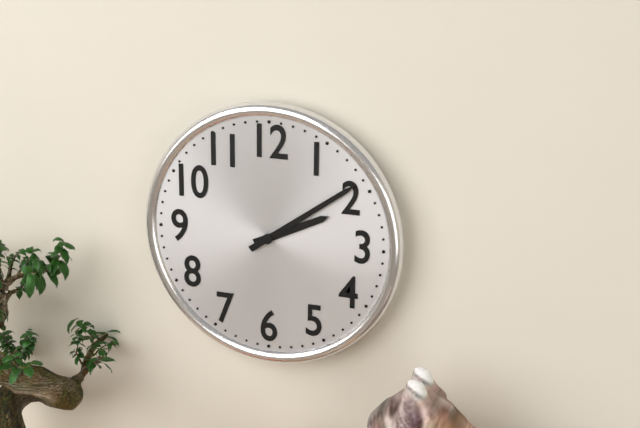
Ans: 2:09
